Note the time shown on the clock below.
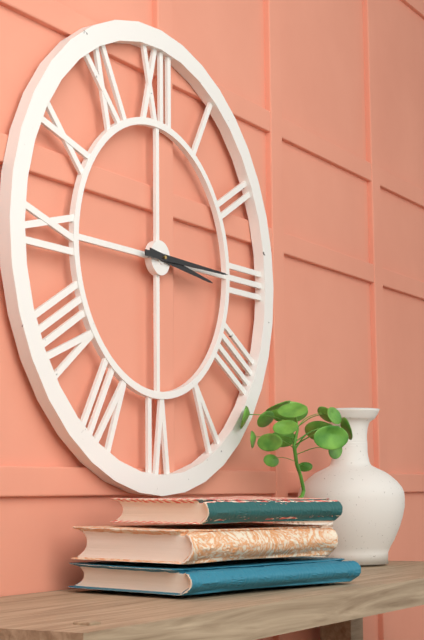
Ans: 3:15
